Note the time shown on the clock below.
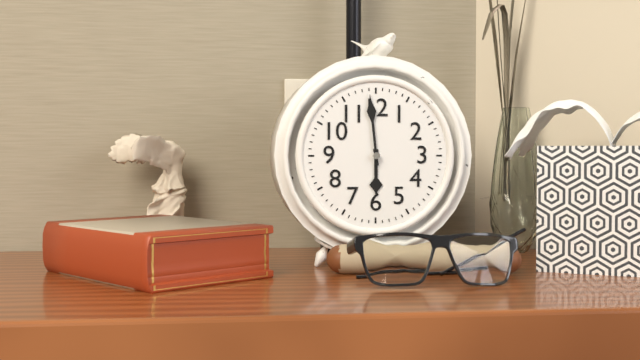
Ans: 5:59
